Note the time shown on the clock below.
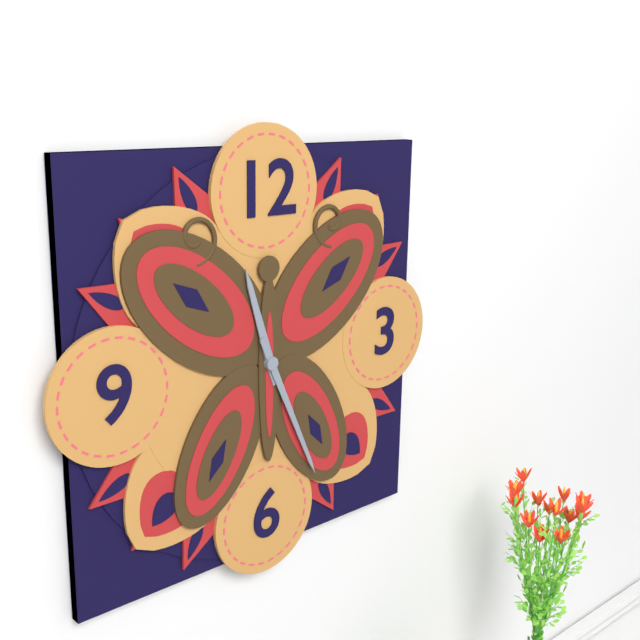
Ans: 11:26
